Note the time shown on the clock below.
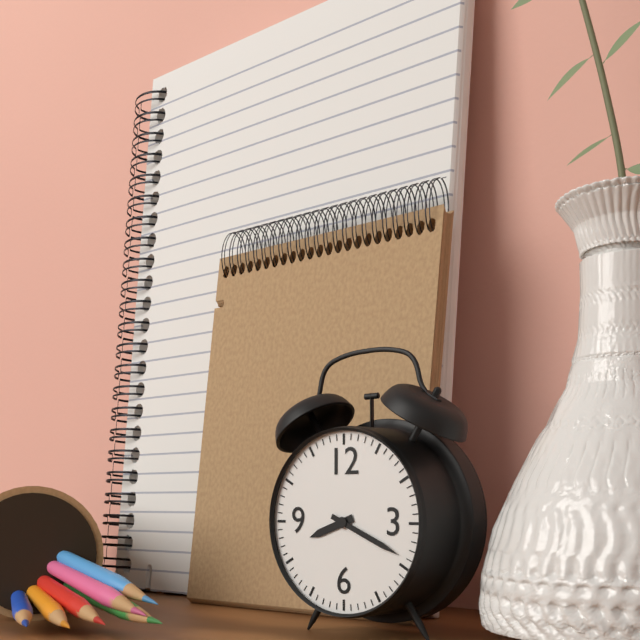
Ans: 8:19
